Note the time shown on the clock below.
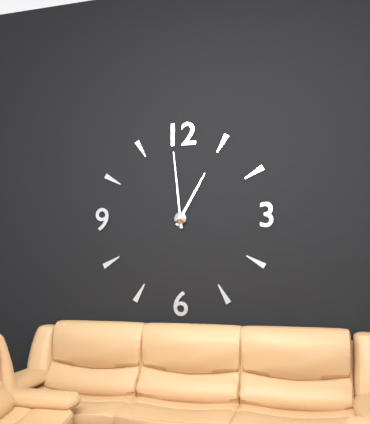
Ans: 12:59
